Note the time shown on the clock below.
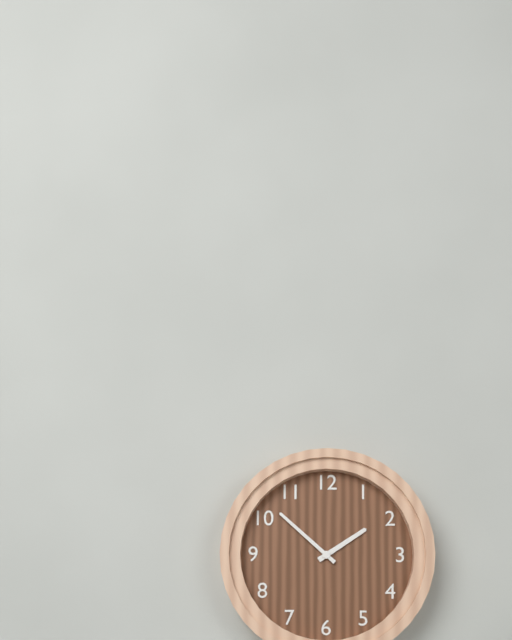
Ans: 1:52
